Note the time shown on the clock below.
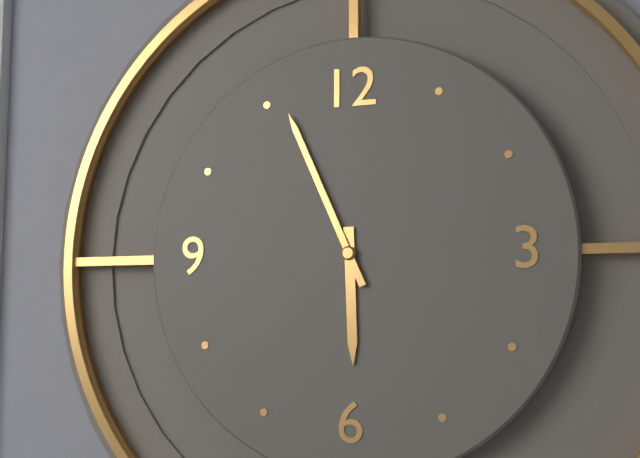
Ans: 5:56
